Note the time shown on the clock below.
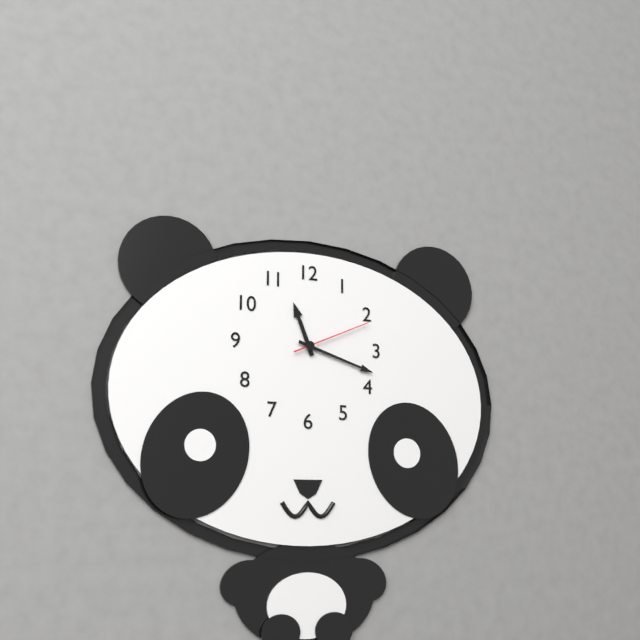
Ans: 11:18:11
